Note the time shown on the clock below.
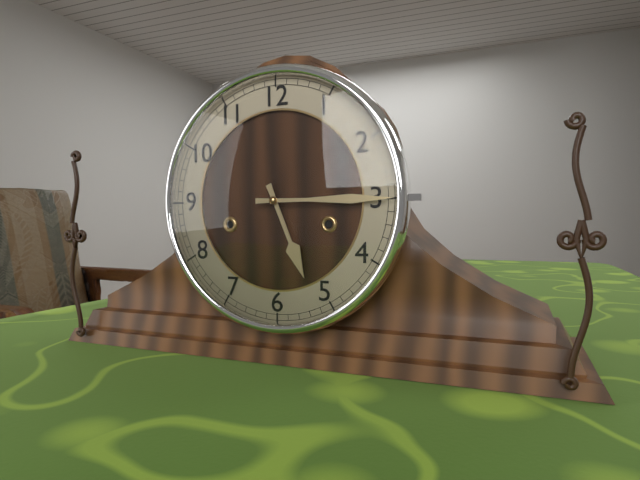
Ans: 5:15
